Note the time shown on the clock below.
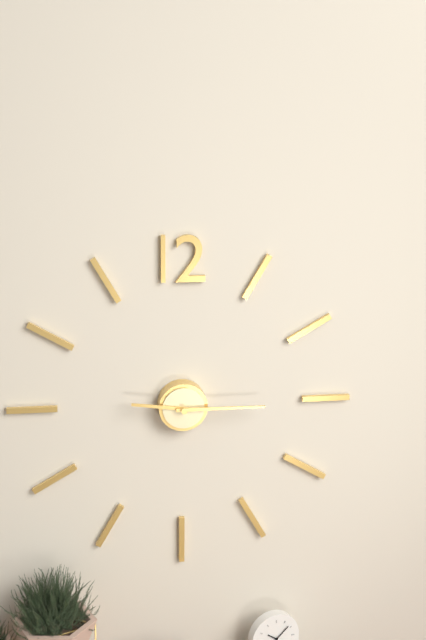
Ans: 9:15
